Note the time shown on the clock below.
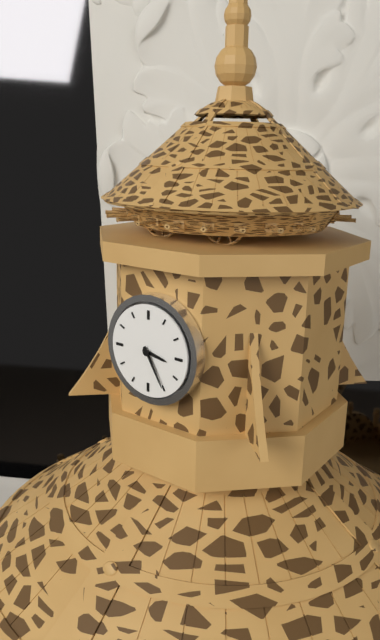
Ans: 3:25
